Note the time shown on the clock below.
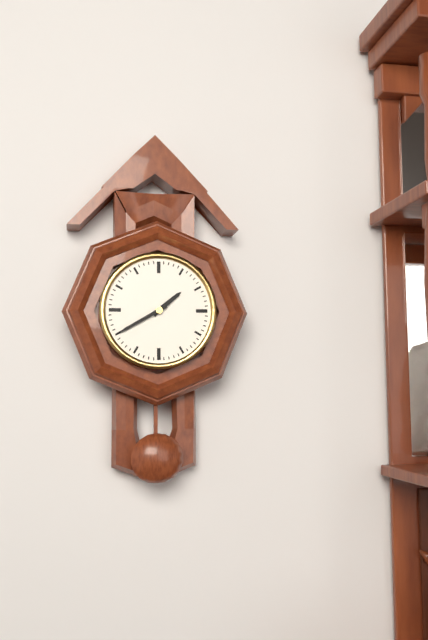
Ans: 1:40
